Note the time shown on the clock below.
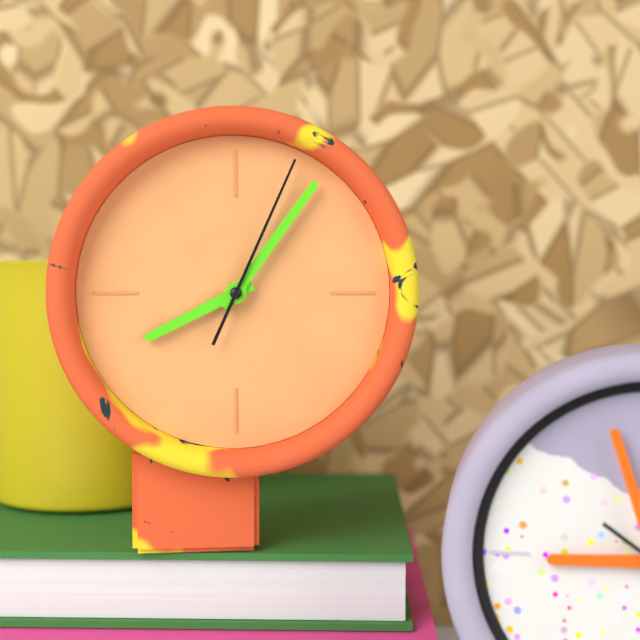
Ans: 8:06:04
